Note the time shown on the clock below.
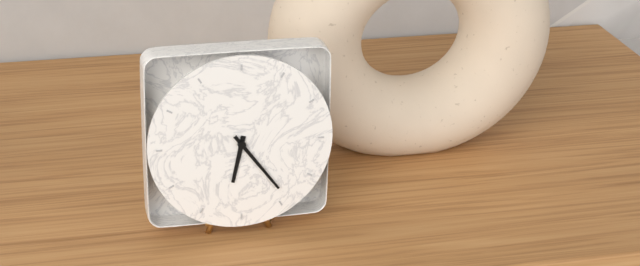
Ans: 6:24
